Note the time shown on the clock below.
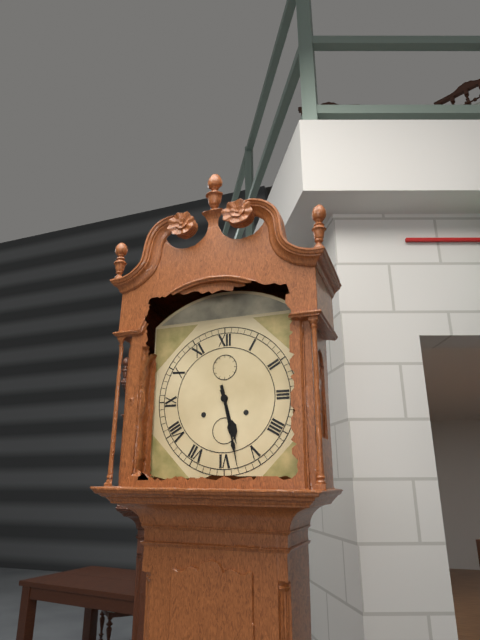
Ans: 5:28
